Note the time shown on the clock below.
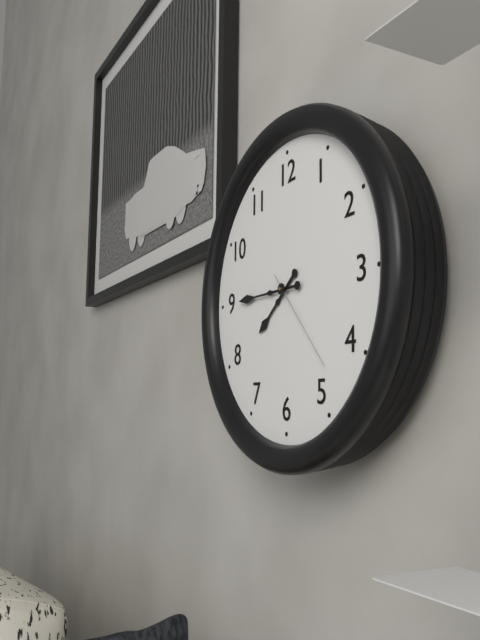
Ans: 7:45:23
